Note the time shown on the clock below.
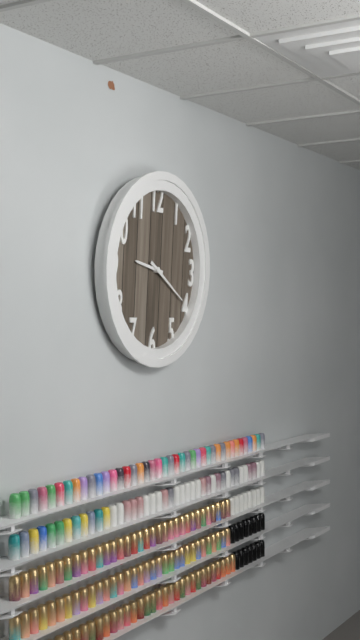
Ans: 9:20
